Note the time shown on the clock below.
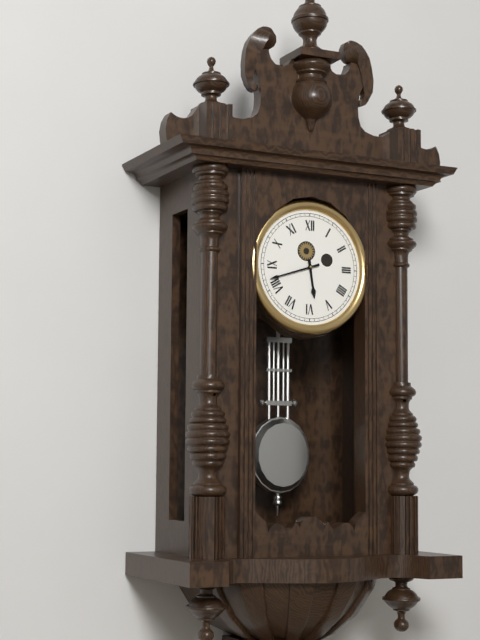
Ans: 5:42
